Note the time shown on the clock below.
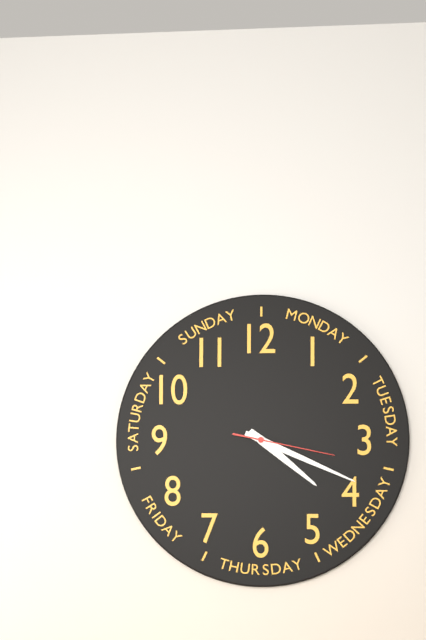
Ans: 4:19:17
